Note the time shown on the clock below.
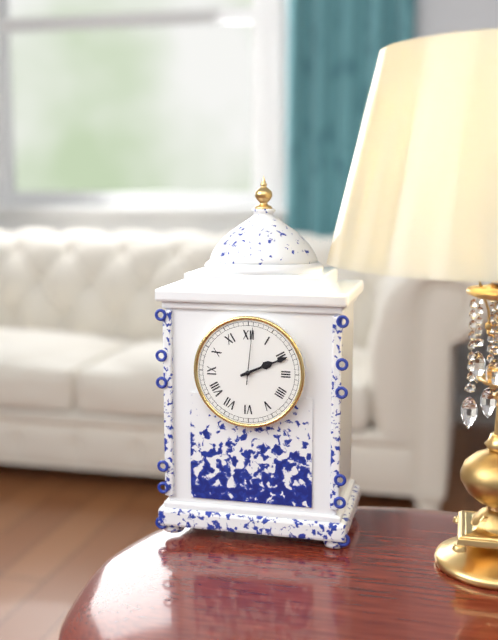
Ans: 2:11:01
